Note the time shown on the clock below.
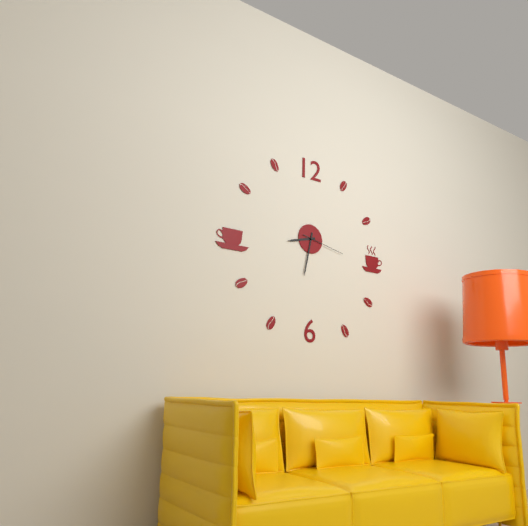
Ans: 8:32
